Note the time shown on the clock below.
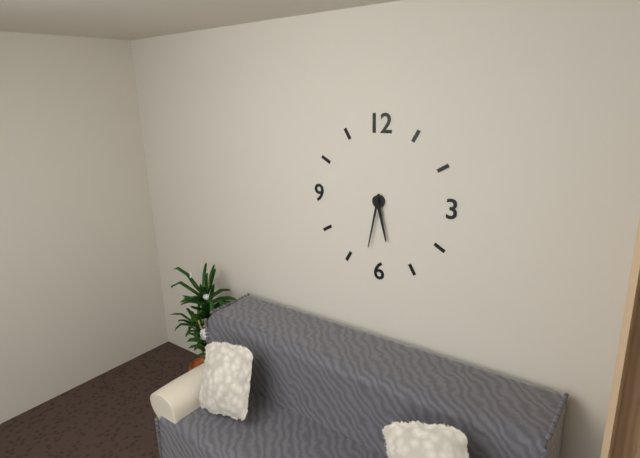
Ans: 5:32
